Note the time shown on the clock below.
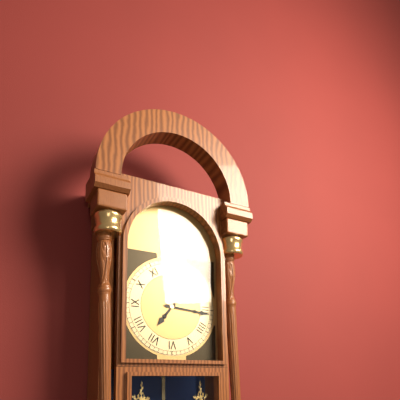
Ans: 7:16
